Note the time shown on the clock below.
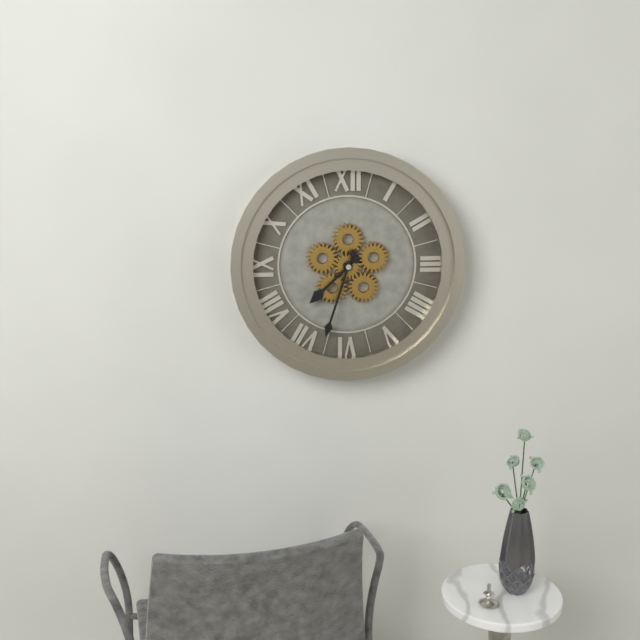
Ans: 7:33
